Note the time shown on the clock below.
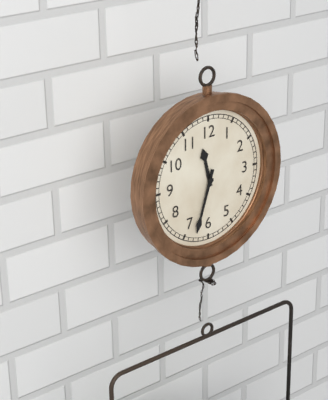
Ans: 11:33
